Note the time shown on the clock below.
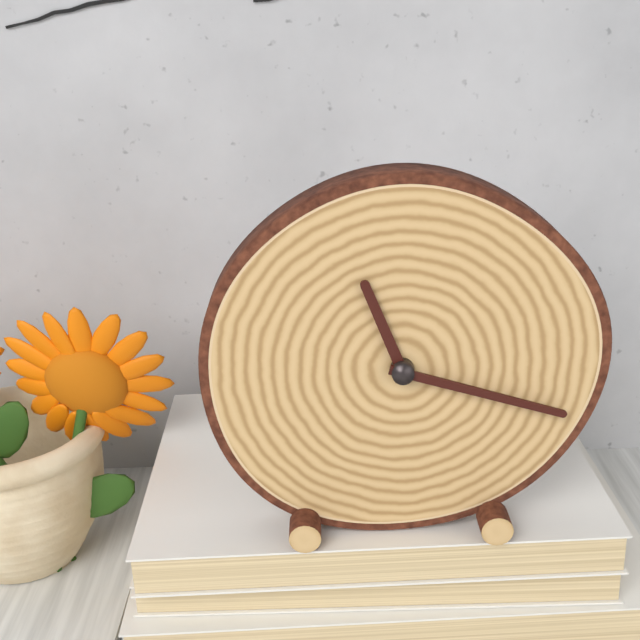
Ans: 11:18
